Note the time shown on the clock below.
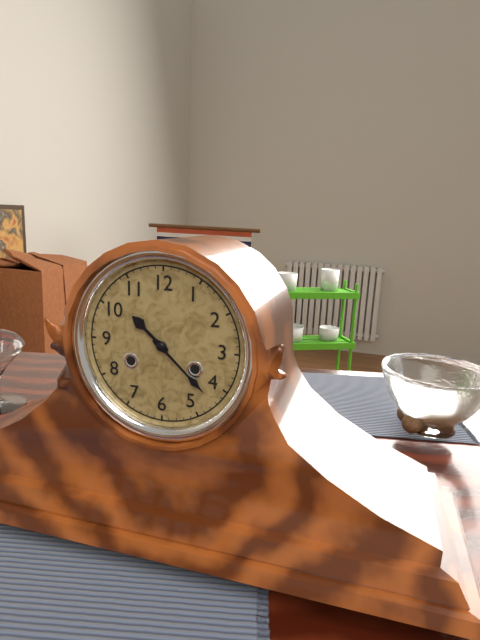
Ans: 10:22
